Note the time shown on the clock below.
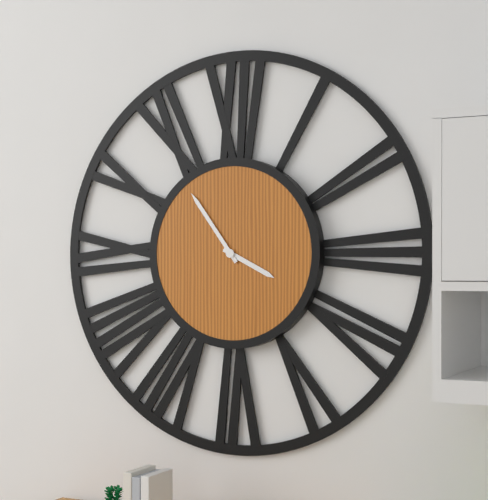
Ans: 3:54
